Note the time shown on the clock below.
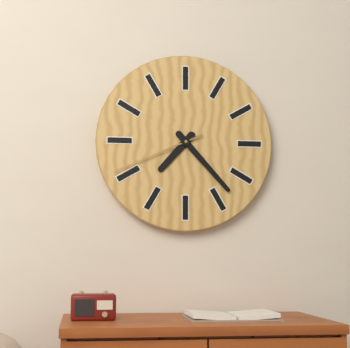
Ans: 7:23:41
